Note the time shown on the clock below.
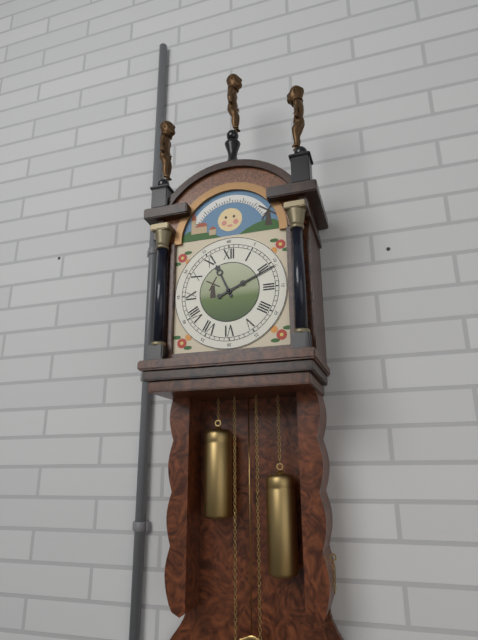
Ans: 11:11
